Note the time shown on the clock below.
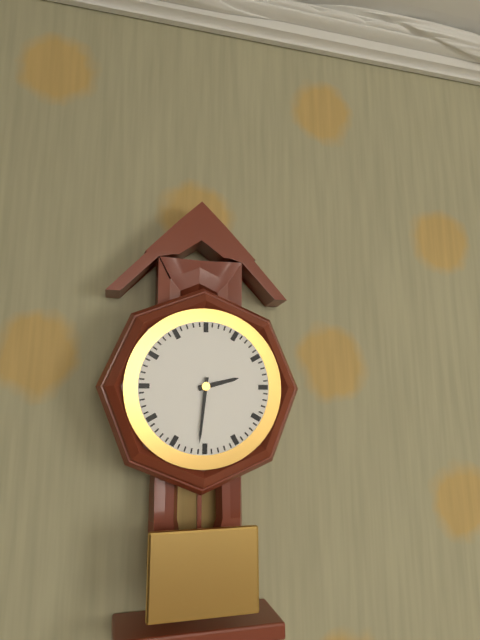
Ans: 2:31
